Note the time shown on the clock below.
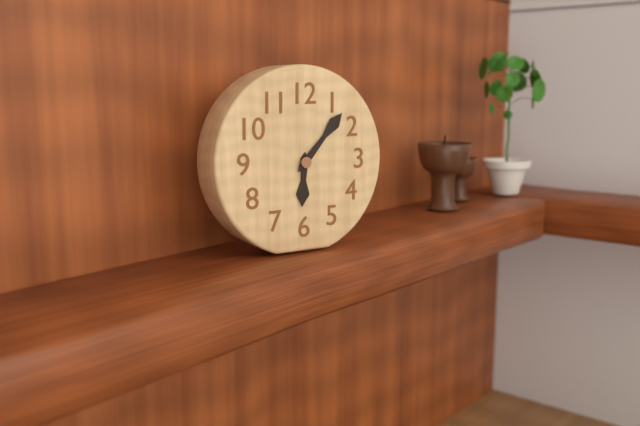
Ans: 6:07
